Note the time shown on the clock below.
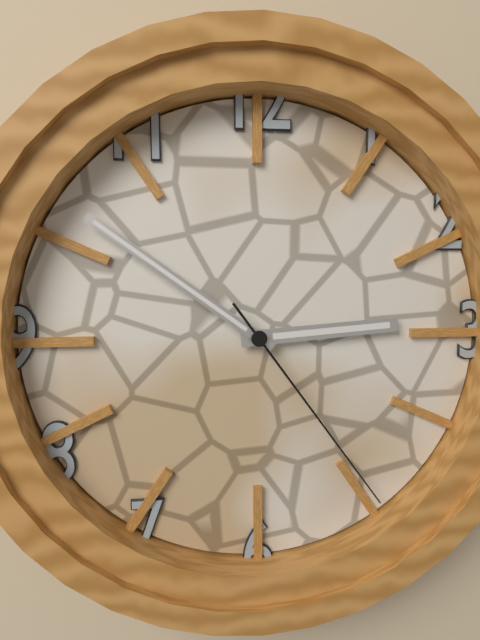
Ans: 2:51:24
